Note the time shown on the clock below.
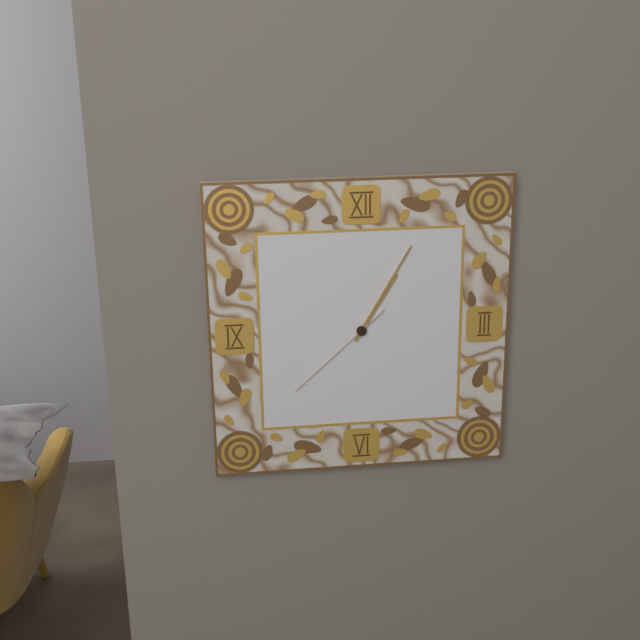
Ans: 1:05:38
